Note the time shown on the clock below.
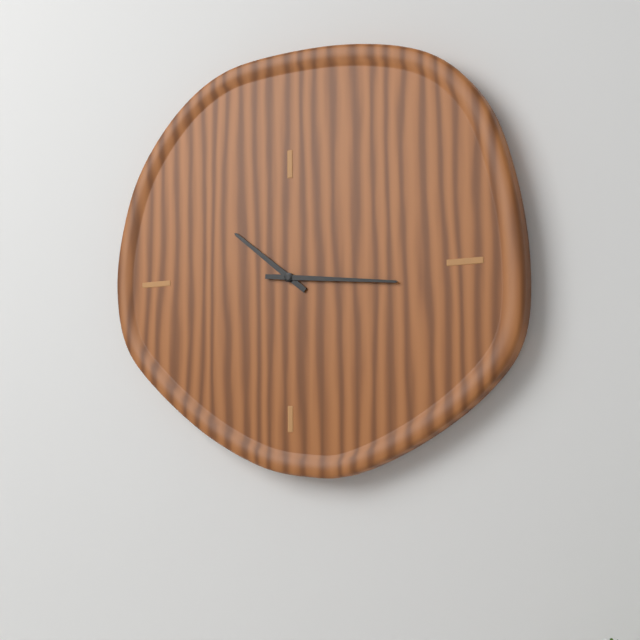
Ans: 10:16
